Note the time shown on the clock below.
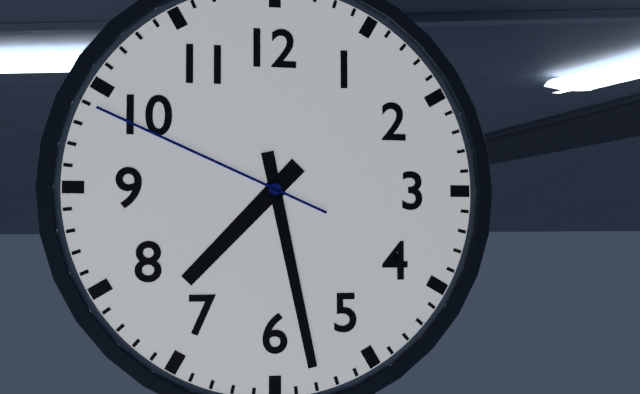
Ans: 7:28:49
